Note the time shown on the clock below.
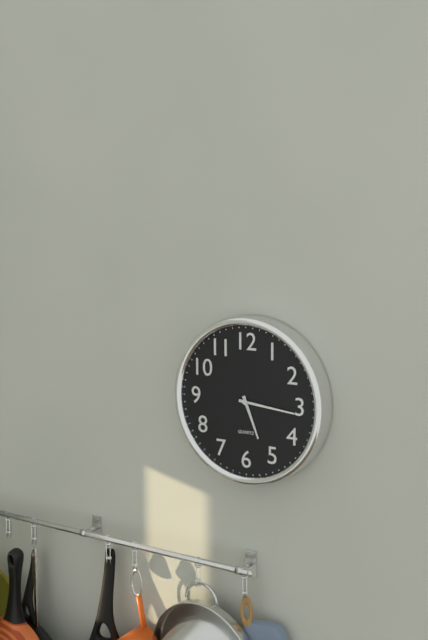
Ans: 5:16
